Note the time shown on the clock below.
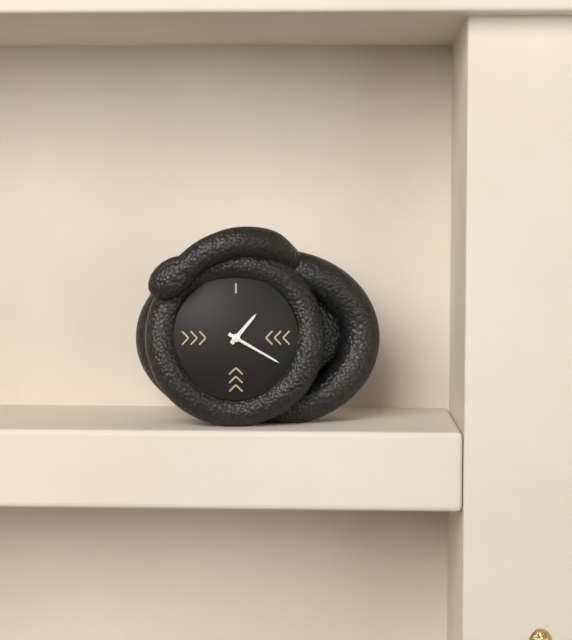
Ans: 1:20
